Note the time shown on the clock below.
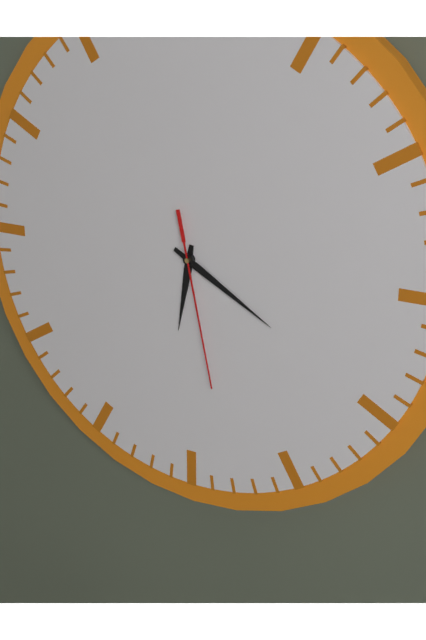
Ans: 6:20:28
